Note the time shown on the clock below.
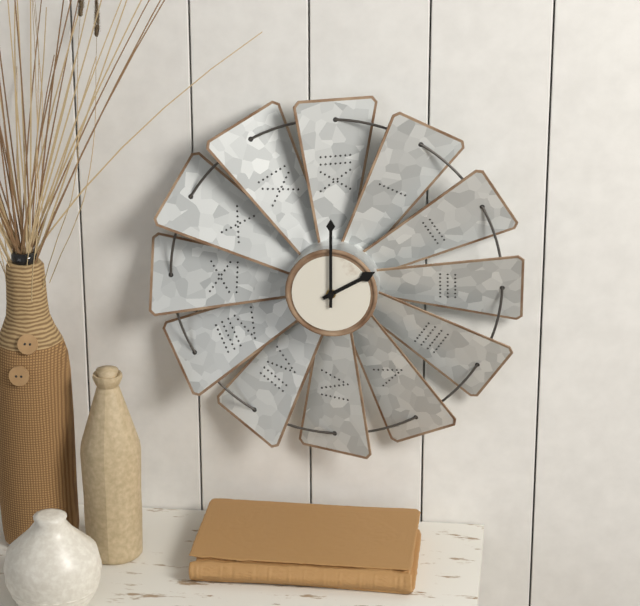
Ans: 2:00
